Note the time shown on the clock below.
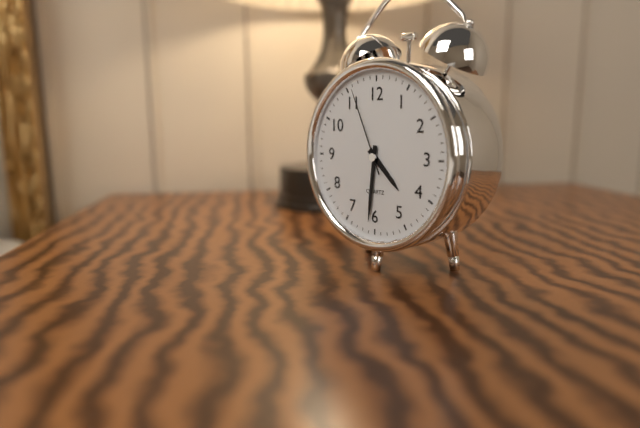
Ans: 4:31:56
